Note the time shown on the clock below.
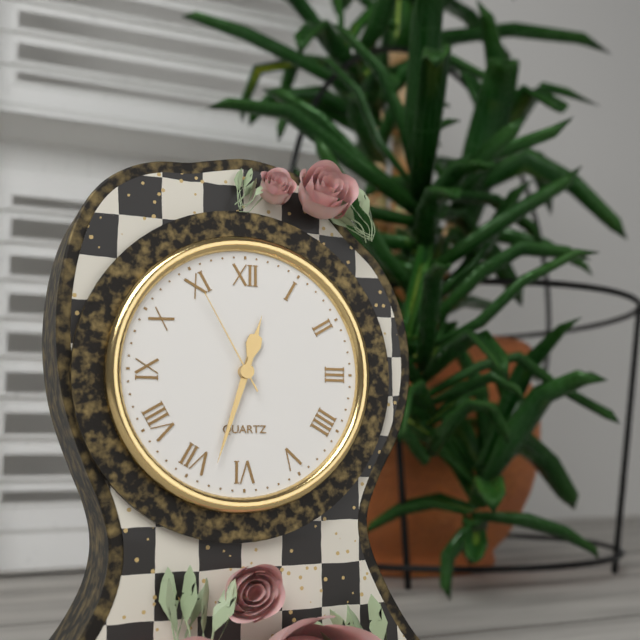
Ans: 12:33:55
